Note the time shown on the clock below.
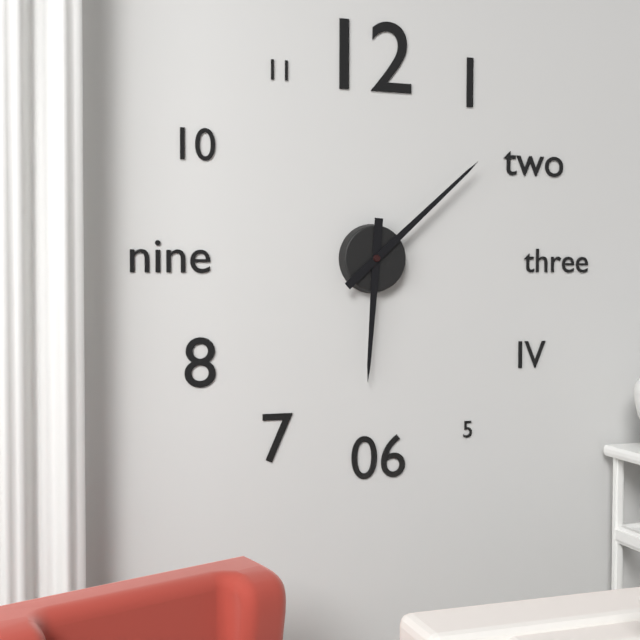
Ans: 6:08
